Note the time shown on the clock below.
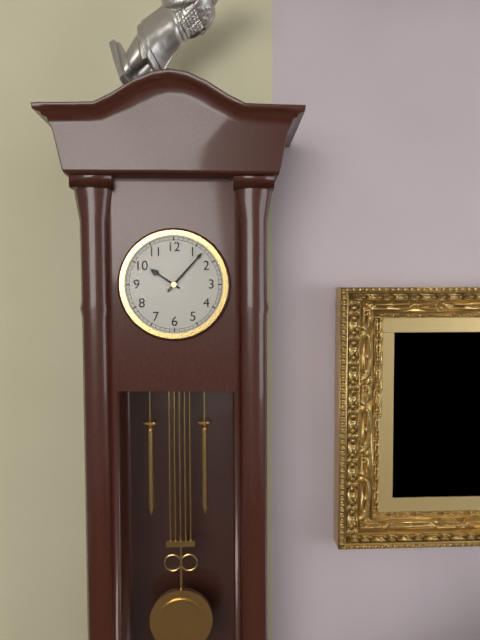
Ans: 10:07
